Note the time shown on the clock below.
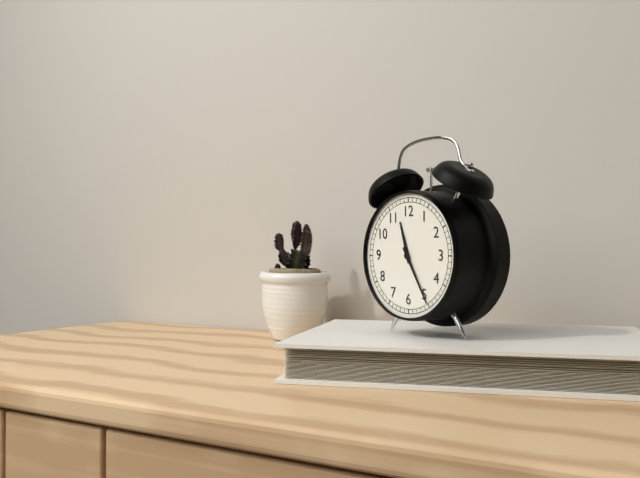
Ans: 11:25
